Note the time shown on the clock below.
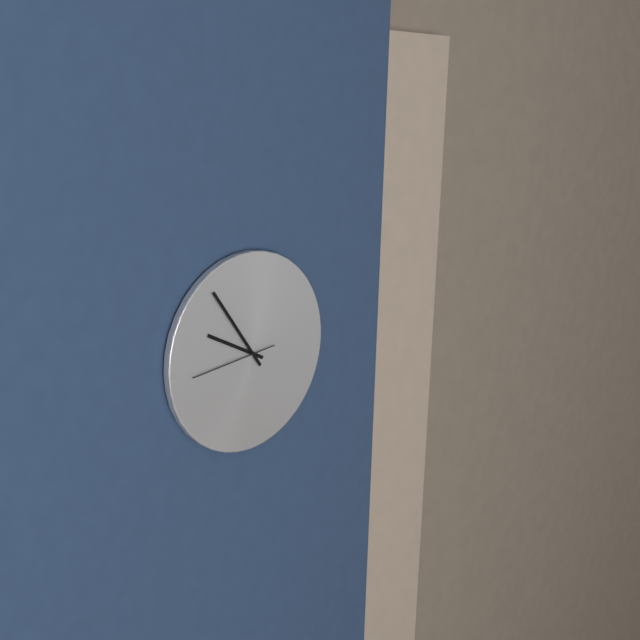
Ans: 9:54:44
